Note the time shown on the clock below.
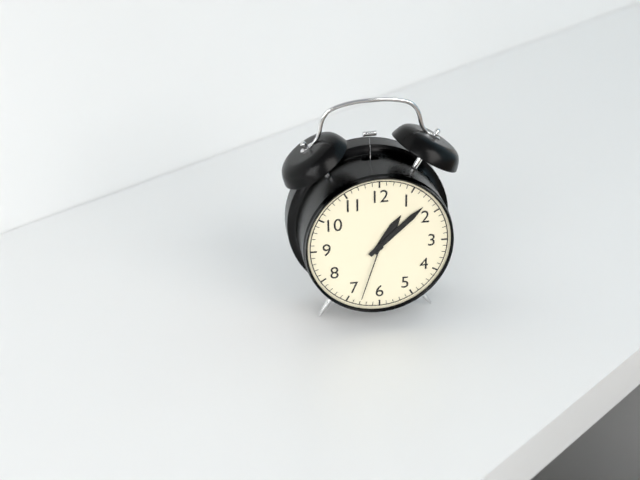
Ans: 1:08:33
